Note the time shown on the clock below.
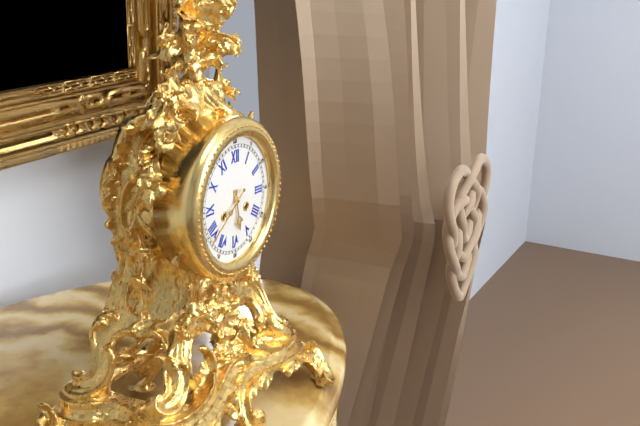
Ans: 5:39
